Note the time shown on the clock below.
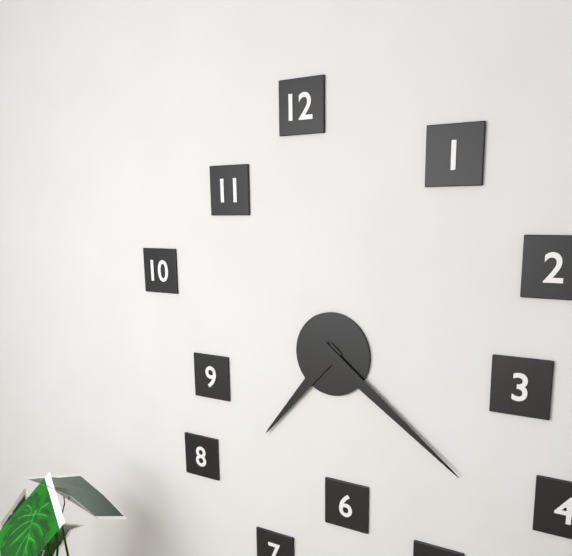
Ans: 7:21
